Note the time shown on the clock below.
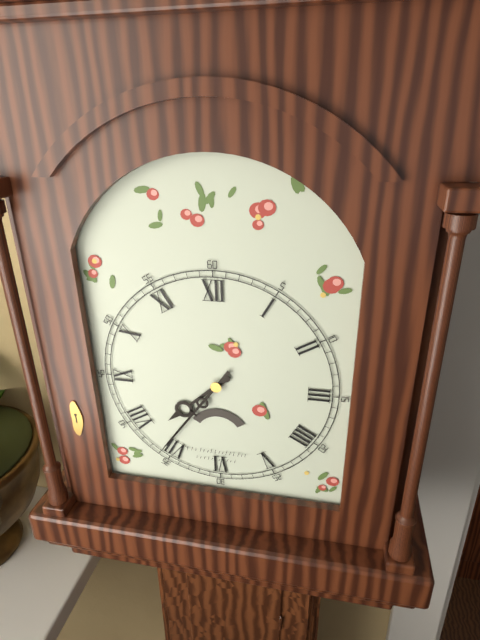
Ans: 7:36
